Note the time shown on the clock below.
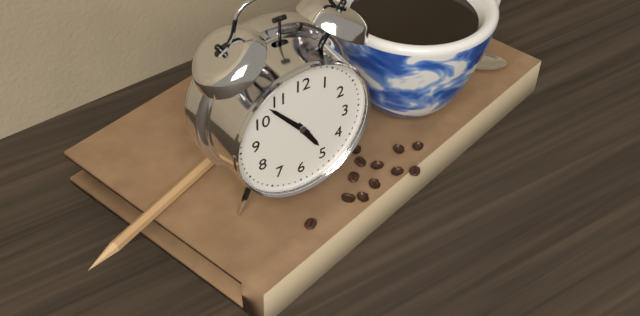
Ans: 4:53
